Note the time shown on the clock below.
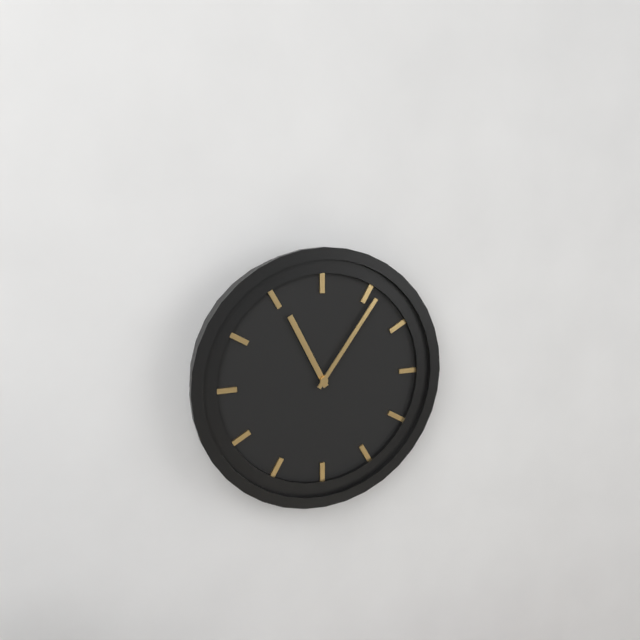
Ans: 11:06
